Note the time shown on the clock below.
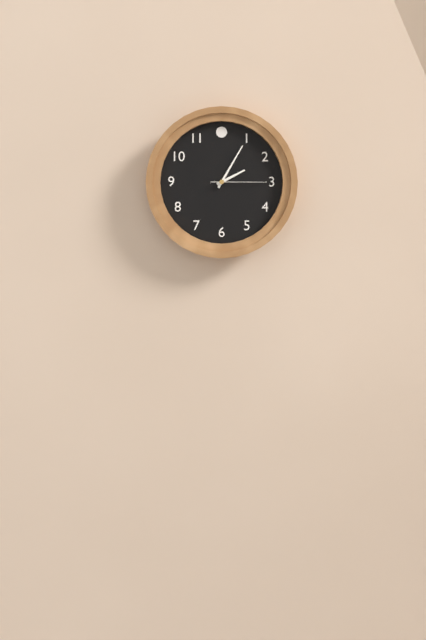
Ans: 2:05:15
